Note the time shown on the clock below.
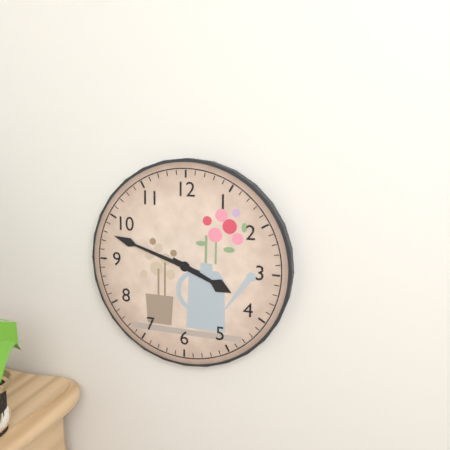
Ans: 3:48
